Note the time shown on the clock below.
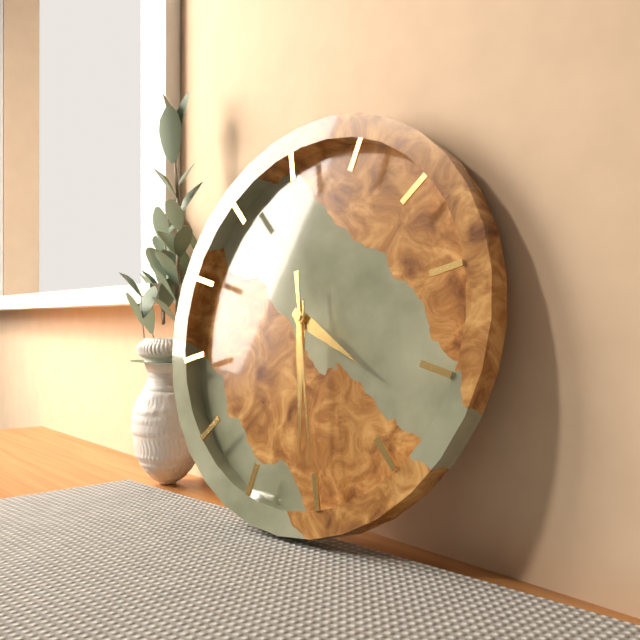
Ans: 3:26:25
